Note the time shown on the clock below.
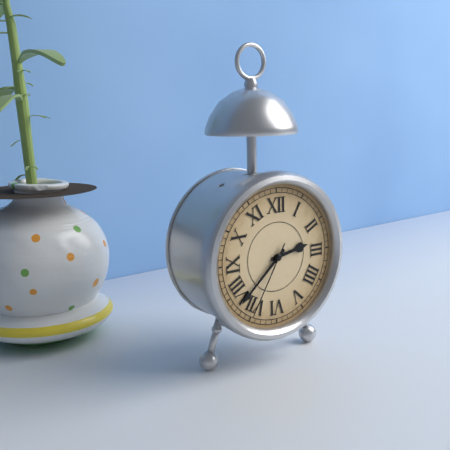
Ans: 2:38:35
